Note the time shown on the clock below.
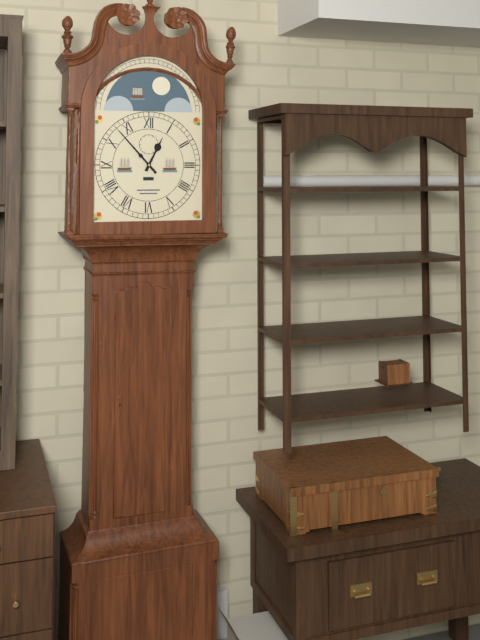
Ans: 12:53
